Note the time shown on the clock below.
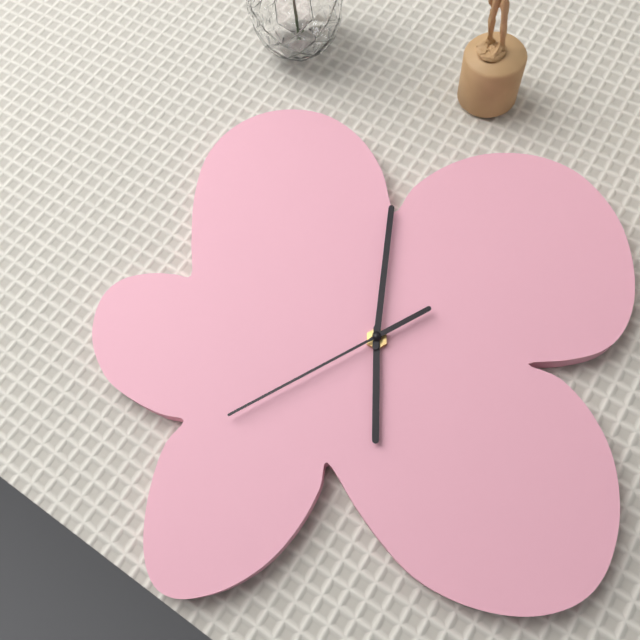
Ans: 6:01:40
